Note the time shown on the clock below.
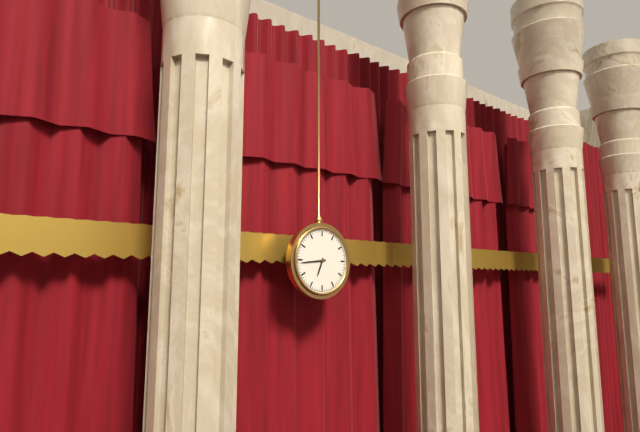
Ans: 6:44
